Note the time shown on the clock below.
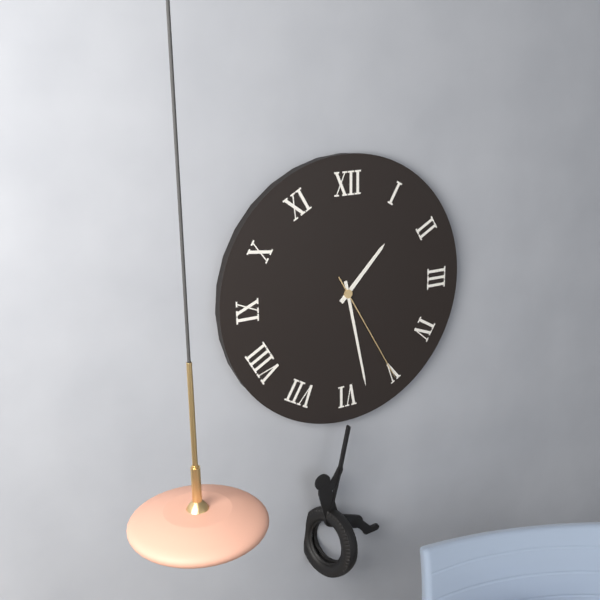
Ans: 1:28:25
